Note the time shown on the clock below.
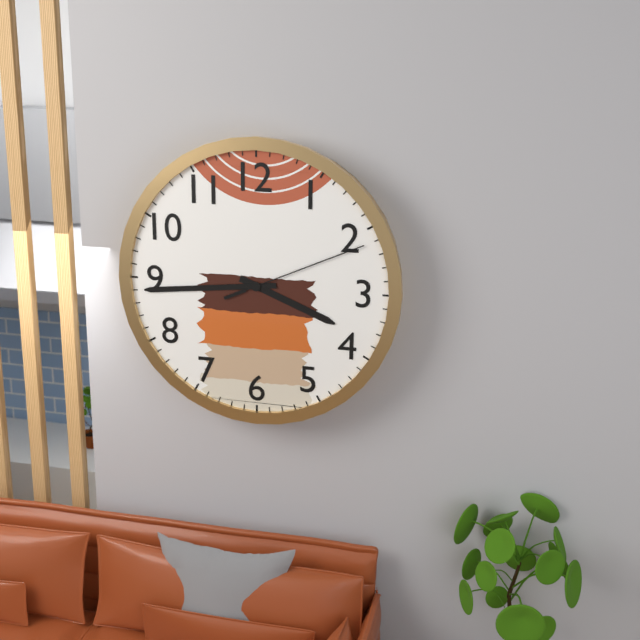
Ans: 3:44:11
